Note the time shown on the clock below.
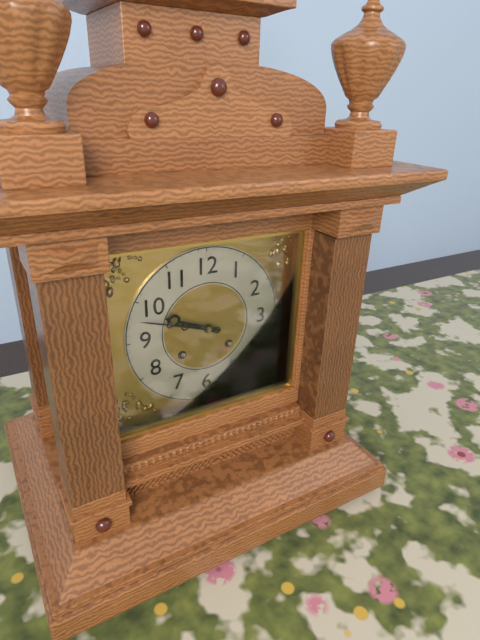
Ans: 9:48
